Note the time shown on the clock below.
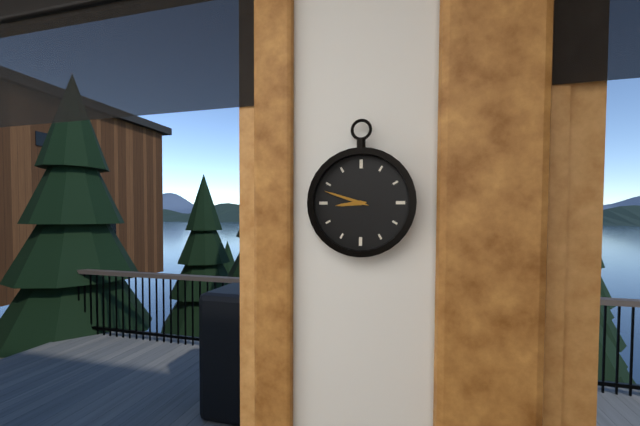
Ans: 8:48
